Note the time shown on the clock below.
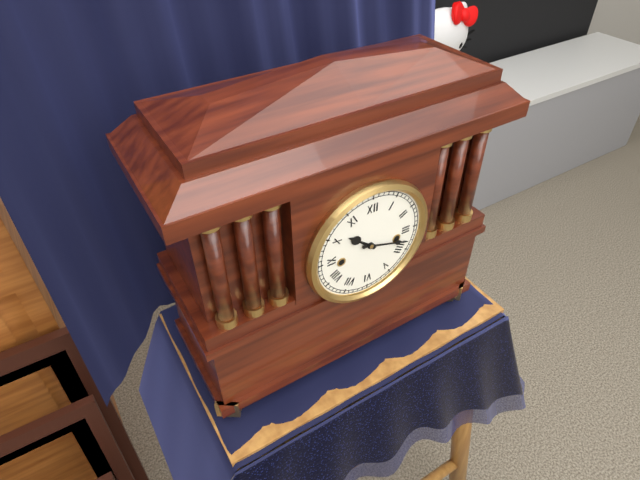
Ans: 10:18
